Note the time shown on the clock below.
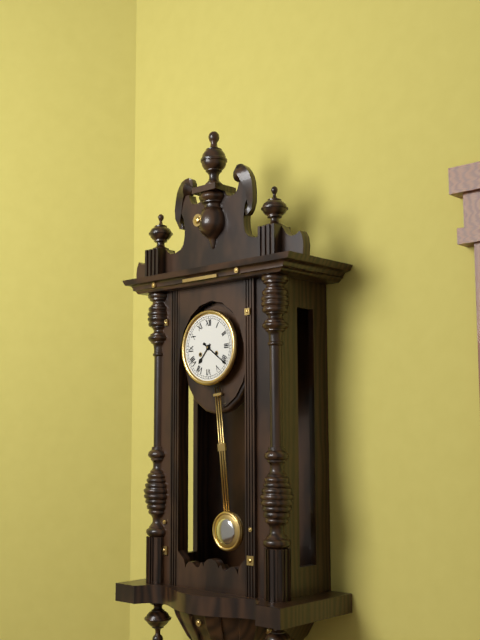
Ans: 7:21
